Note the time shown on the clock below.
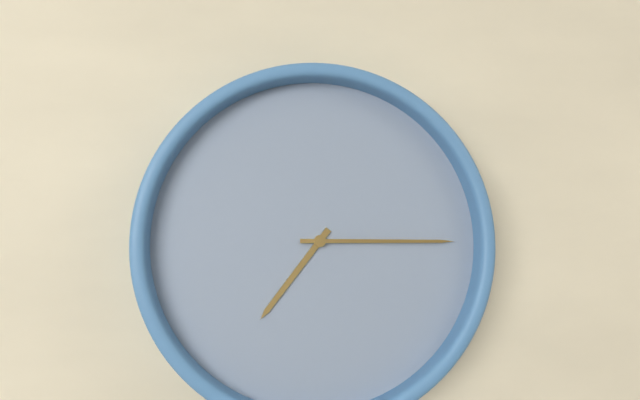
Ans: 7:15
